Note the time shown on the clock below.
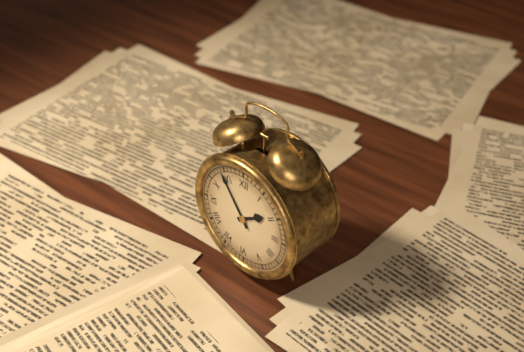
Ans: 1:54
